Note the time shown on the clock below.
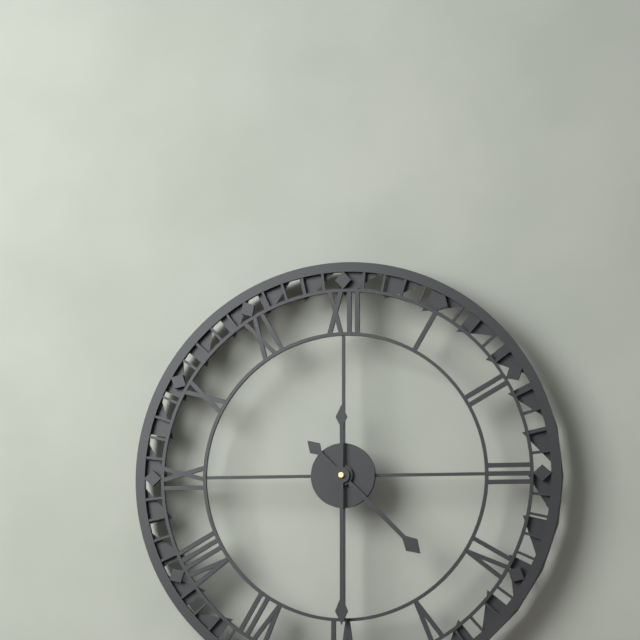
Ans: 4:30
